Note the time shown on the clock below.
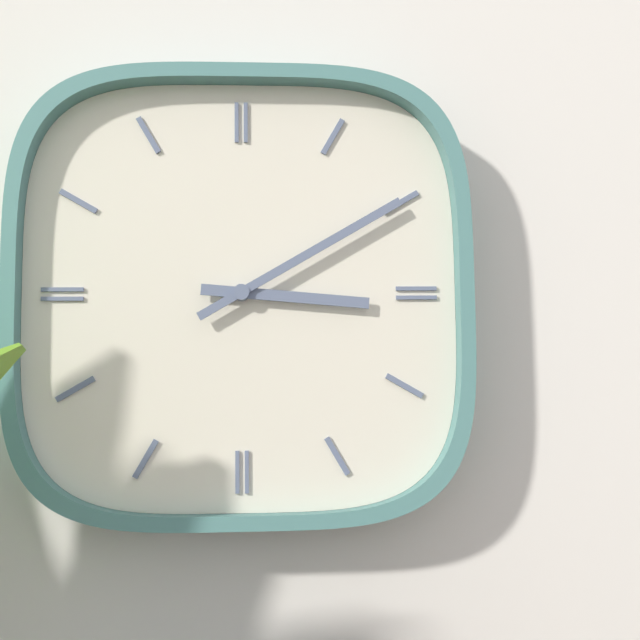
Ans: 3:10
